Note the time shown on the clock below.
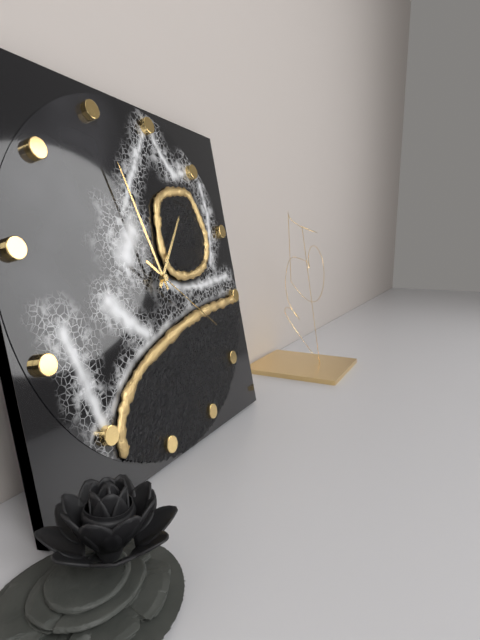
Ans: 12:55:19
